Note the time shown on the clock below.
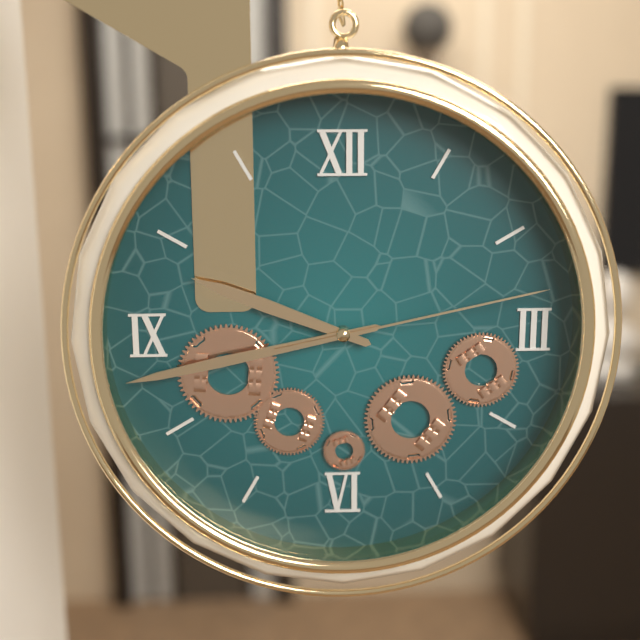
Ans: 9:43:13
